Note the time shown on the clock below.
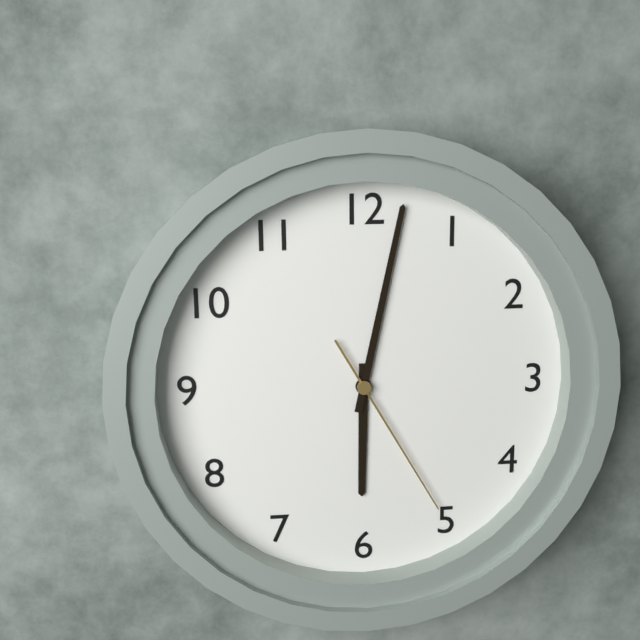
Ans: 6:02:25
